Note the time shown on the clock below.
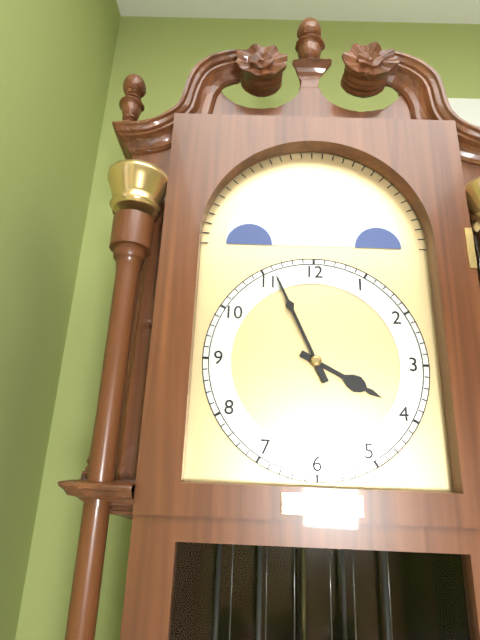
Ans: 3:56
